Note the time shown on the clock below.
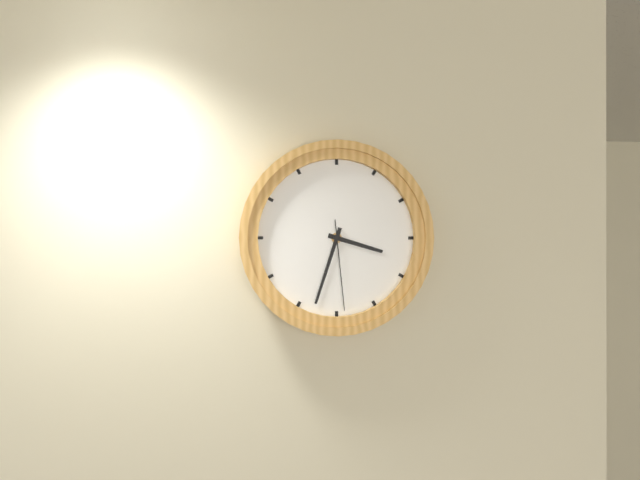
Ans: 3:33:29
